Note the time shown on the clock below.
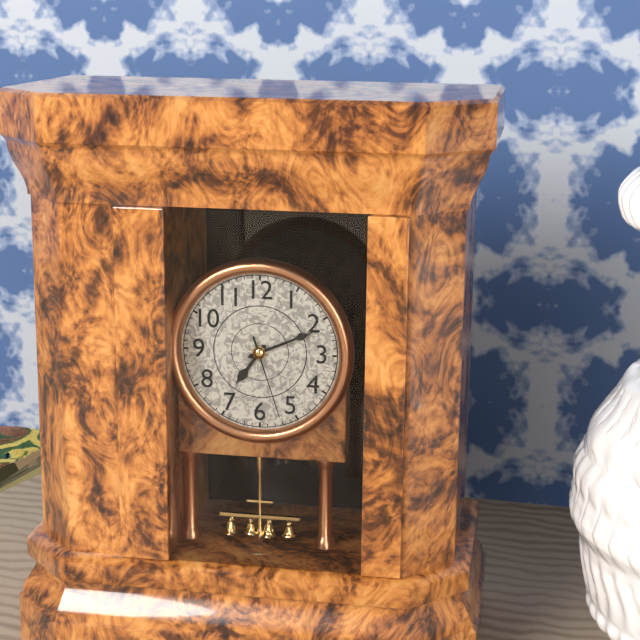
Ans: 7:11:27
